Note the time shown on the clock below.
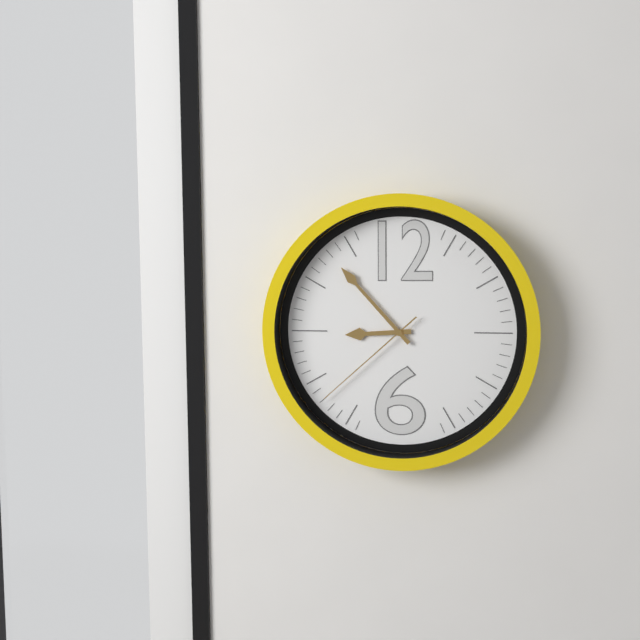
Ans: 8:53:38
